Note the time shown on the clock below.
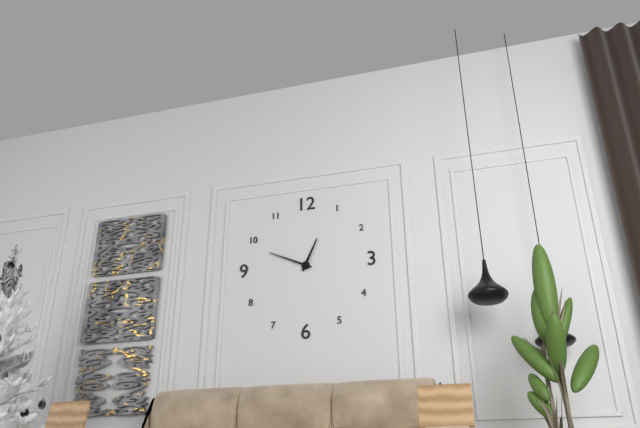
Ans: 12:49
